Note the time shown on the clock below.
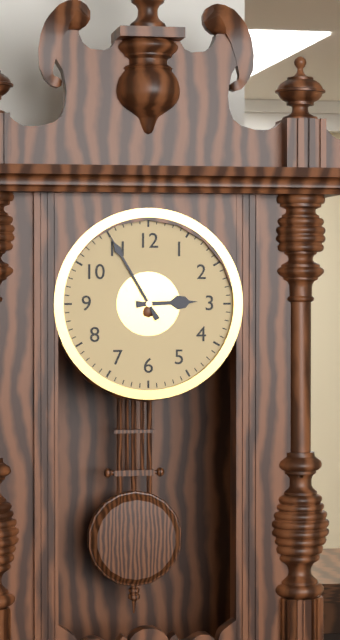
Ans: 2:55
